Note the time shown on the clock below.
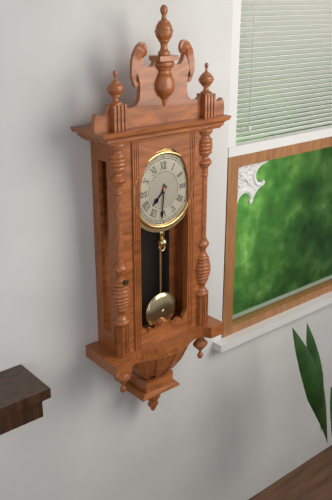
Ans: 7:31
